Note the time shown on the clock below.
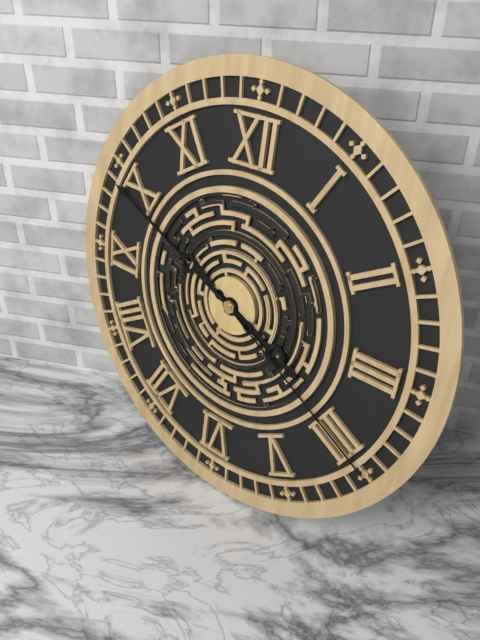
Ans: 3:49:20
